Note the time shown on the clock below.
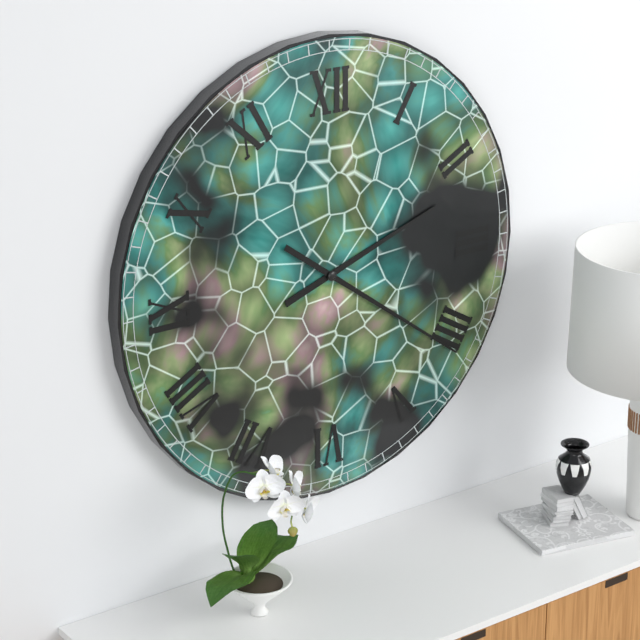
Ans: 2:21
